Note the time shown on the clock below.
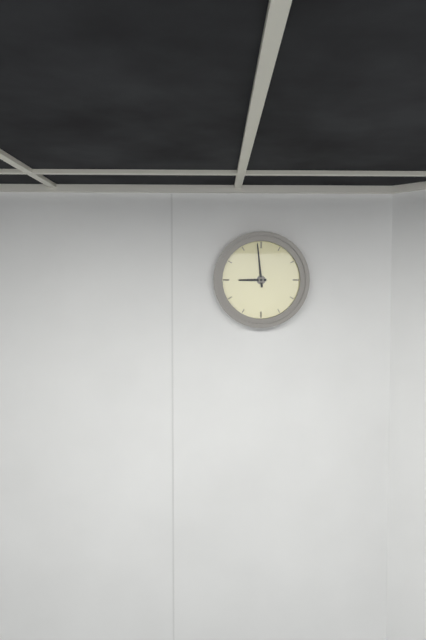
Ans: 8:59
